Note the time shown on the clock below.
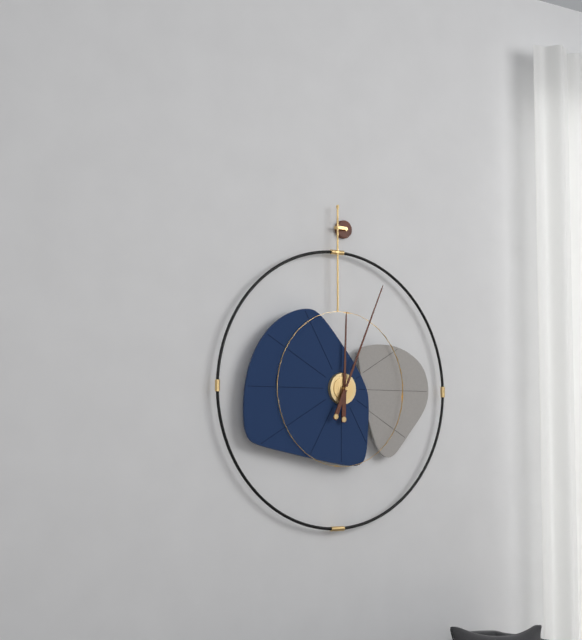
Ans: 12:04
